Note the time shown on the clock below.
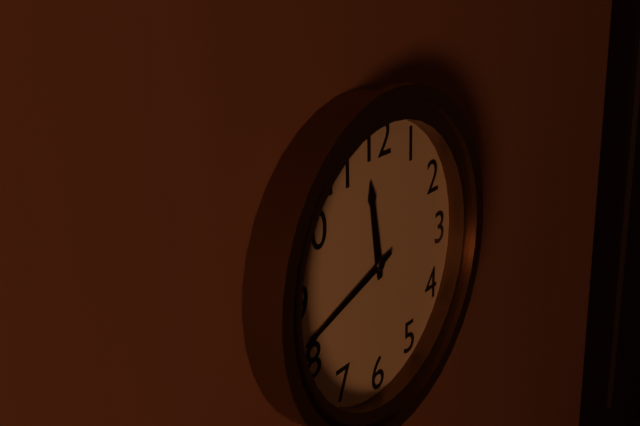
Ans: 11:42
